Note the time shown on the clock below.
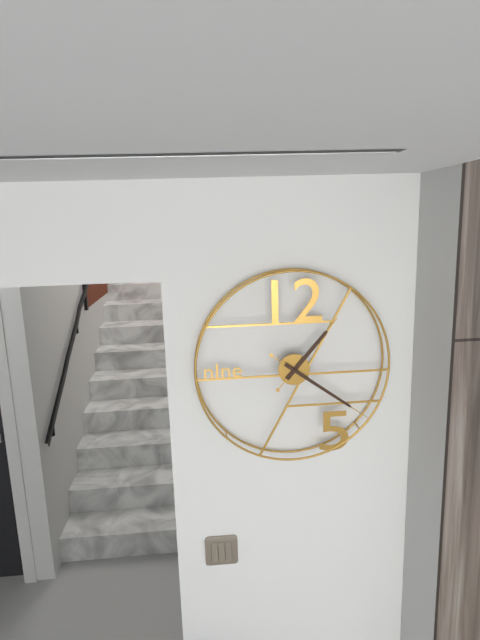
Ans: 1:21
